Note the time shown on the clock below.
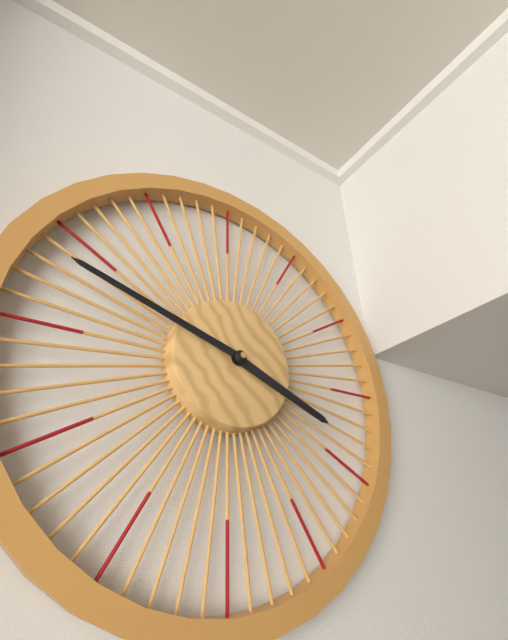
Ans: 3:48
